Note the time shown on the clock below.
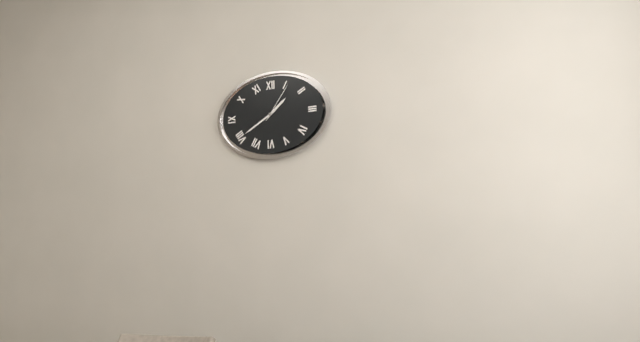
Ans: 1:40
